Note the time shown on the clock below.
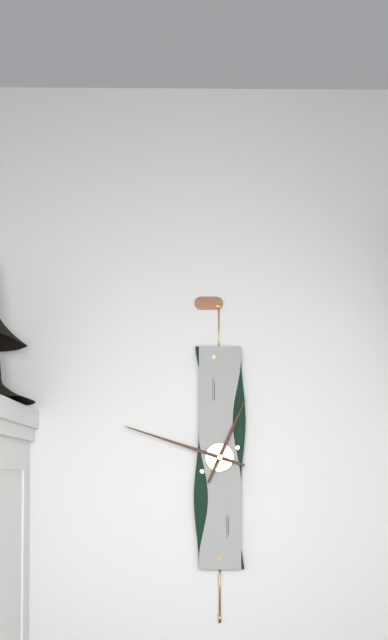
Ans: 12:48
